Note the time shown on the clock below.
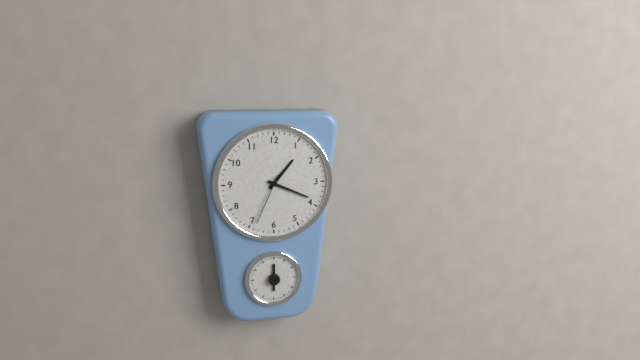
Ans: 1:19:34
